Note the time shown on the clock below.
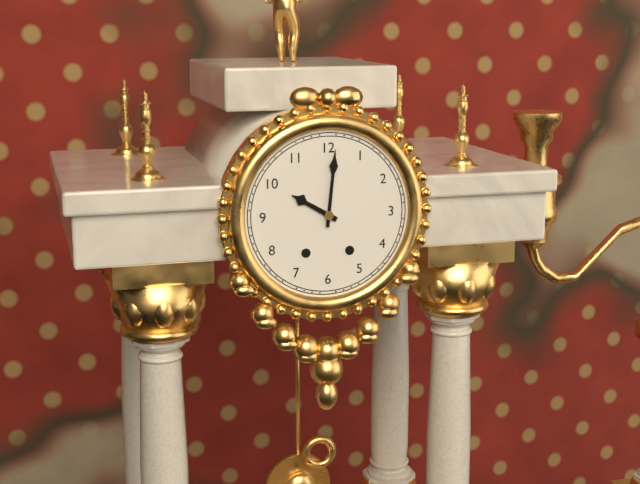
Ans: 10:01
